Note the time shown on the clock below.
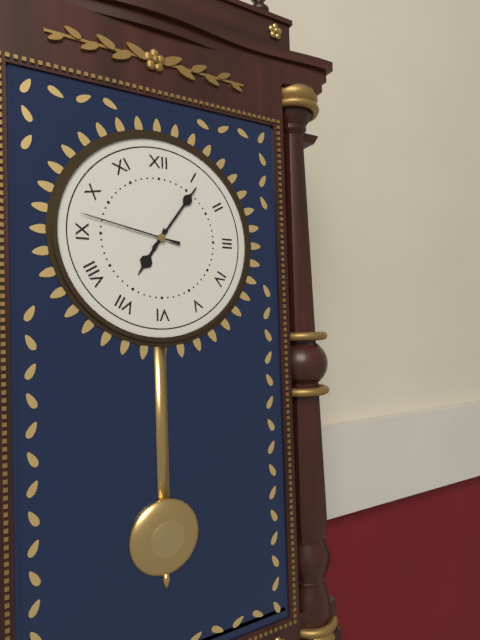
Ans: 7:06:47
